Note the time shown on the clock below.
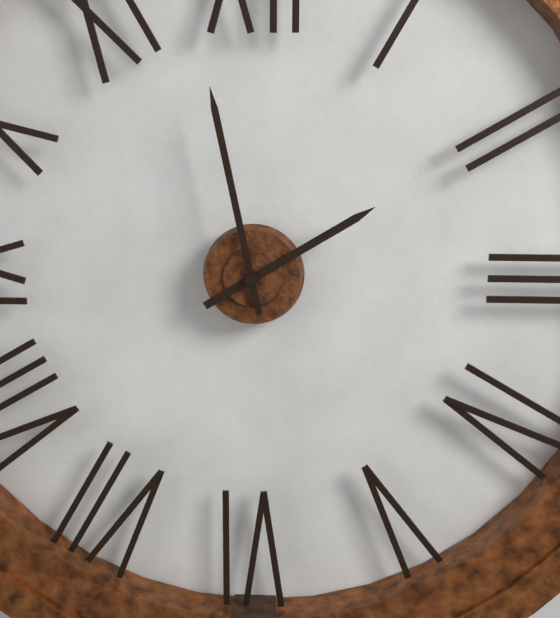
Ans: 1:58
